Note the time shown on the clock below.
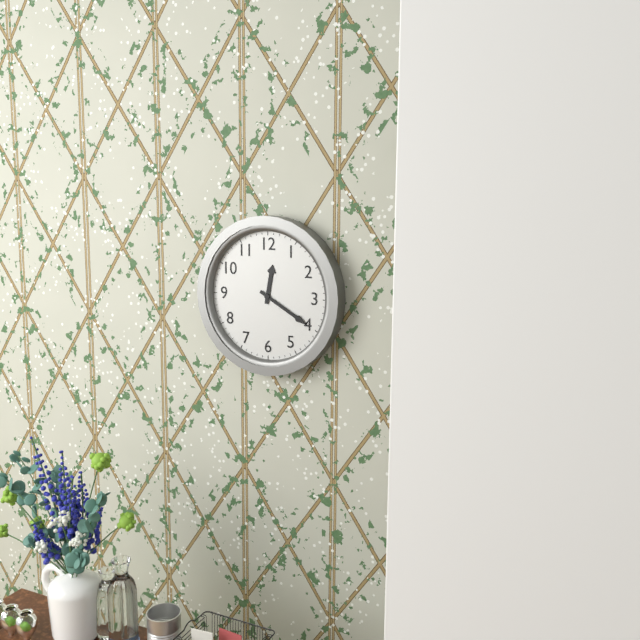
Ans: 12:20
